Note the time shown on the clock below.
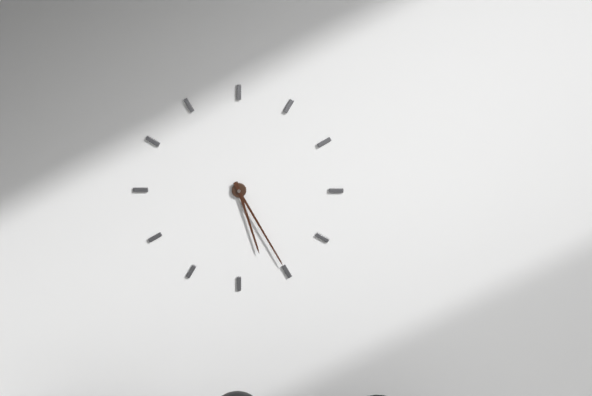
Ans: 5:25
